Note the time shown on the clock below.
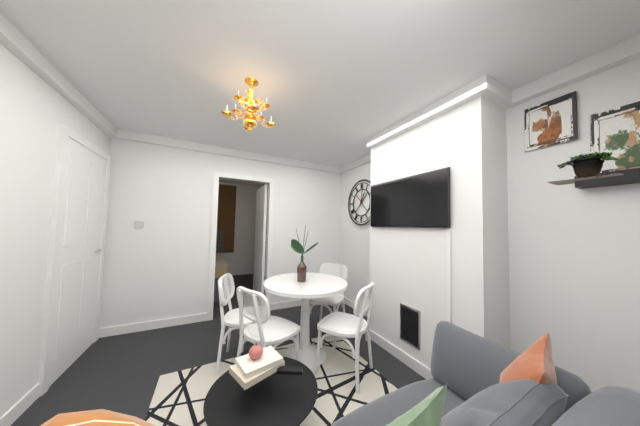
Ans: 1:02
